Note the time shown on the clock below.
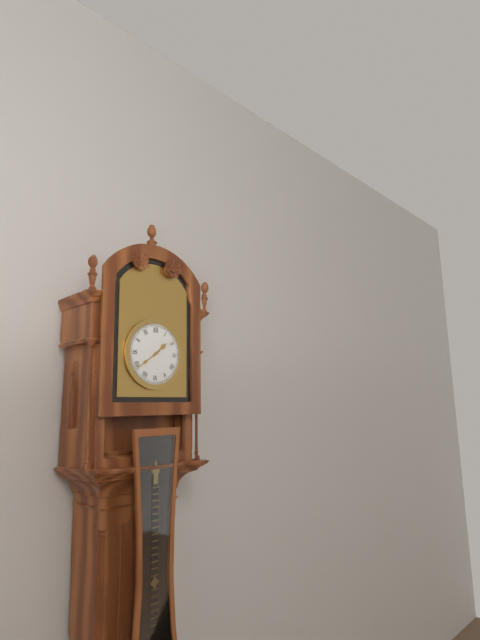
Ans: 1:39
